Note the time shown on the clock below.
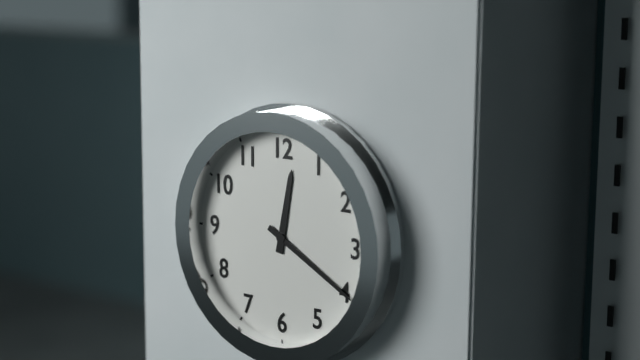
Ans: 12:20
